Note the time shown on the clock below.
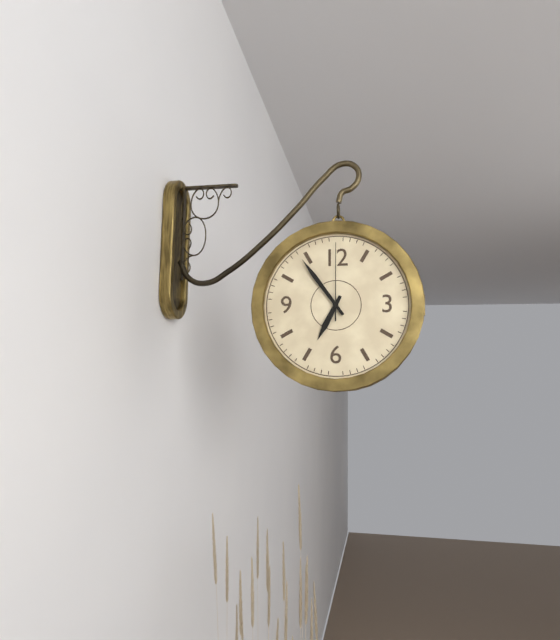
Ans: 6:54:00
